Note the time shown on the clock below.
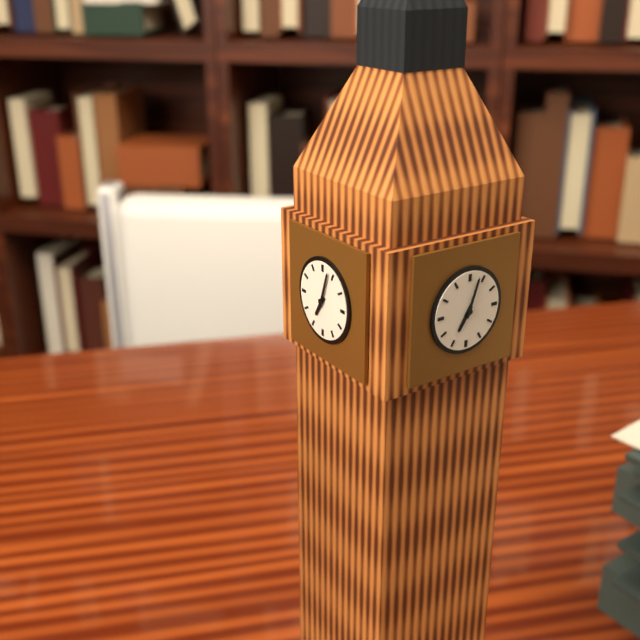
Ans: 7:03
